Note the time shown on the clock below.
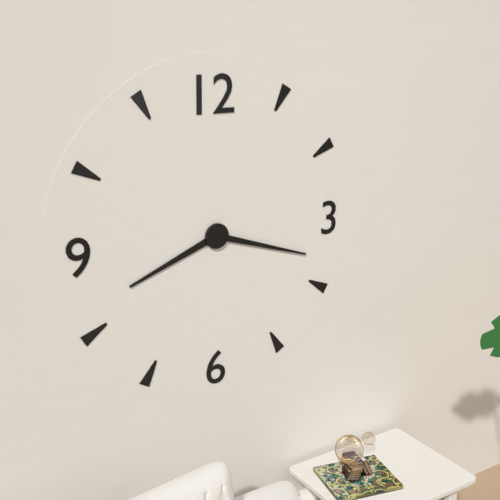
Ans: 8:18
